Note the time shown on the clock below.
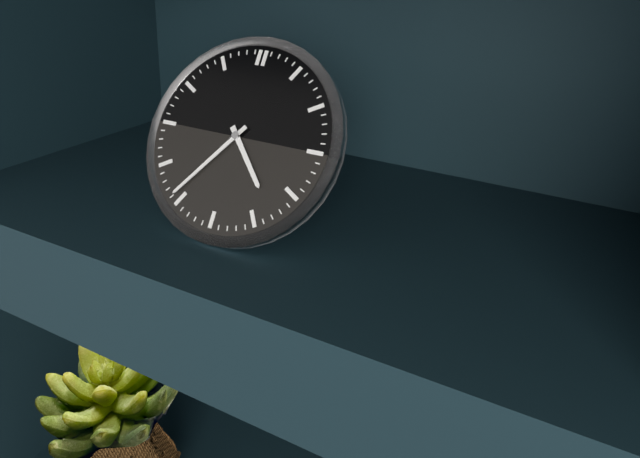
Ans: 4:36
